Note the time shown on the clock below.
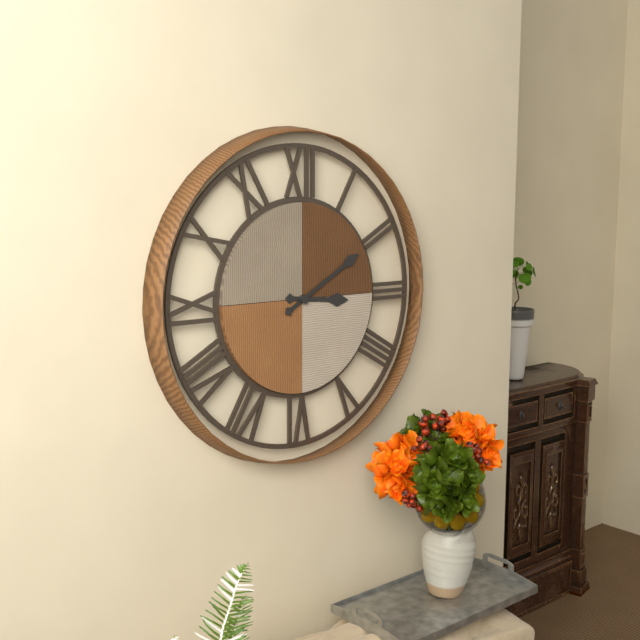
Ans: 3:10
